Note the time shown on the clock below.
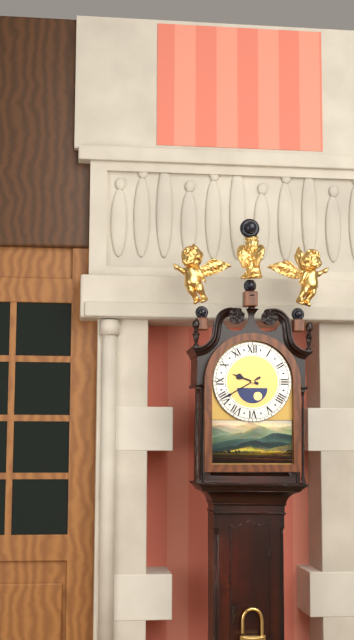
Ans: 9:40
